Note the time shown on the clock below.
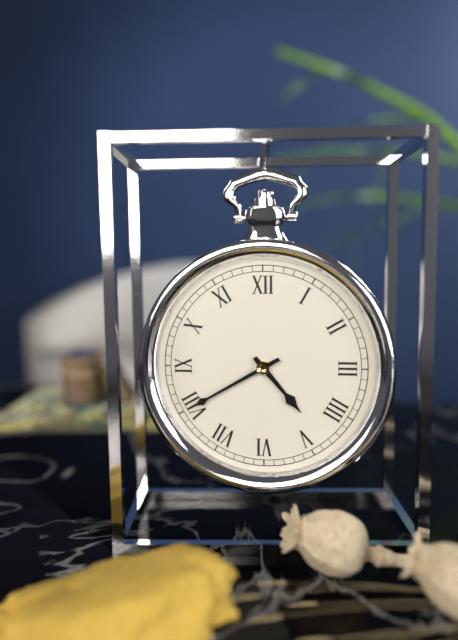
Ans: 4:40
